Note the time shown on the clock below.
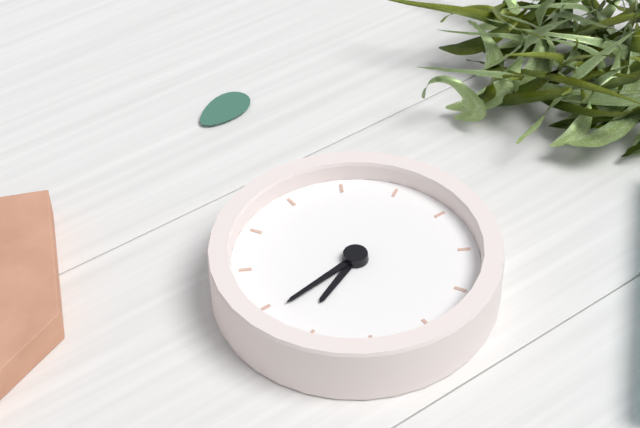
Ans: 2:14
